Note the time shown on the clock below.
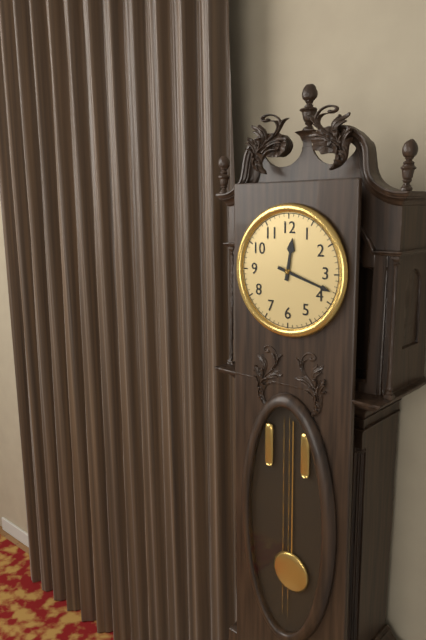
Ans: 12:18
